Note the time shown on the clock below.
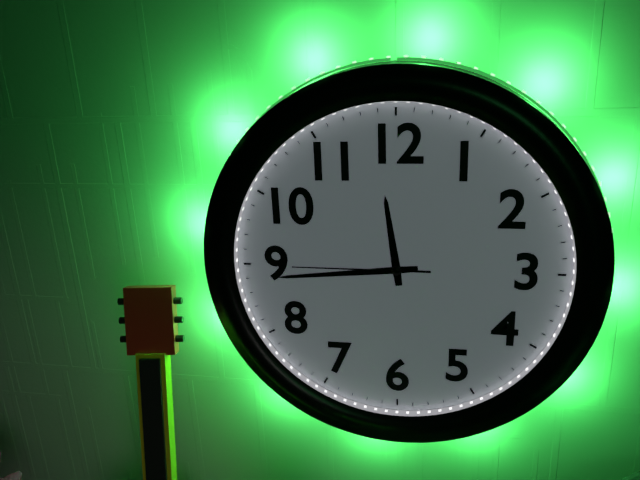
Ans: 11:44:45
